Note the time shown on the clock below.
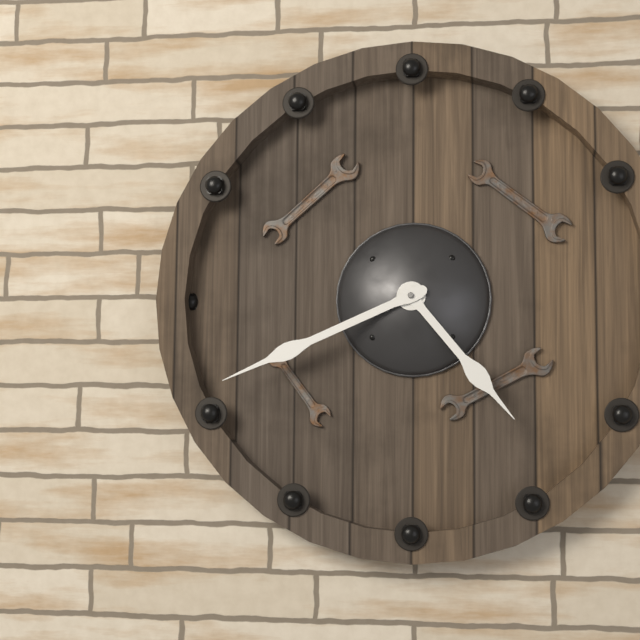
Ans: 4:41
